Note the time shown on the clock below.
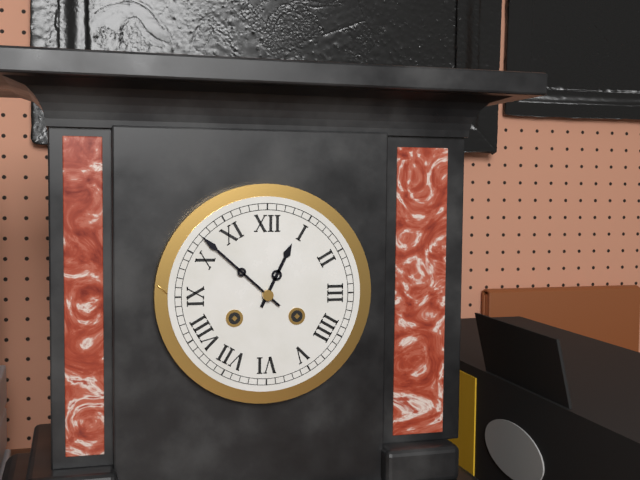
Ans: 12:52
